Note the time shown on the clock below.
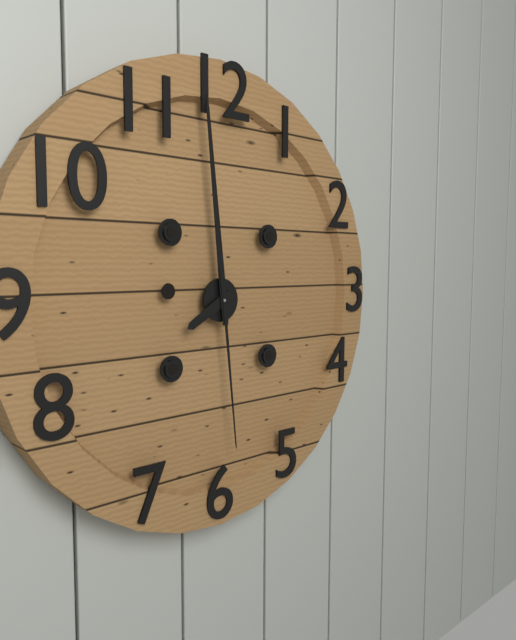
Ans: 7:59:29
